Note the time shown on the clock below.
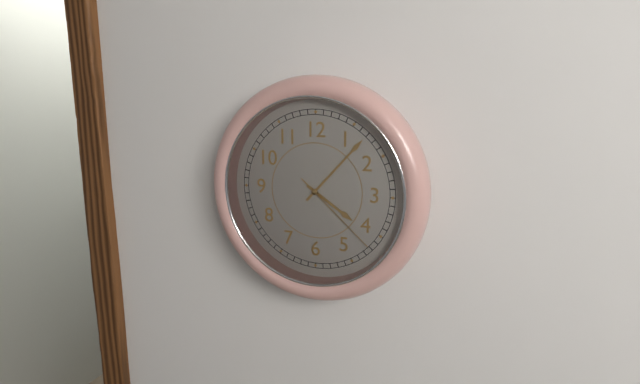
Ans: 4:07:22
